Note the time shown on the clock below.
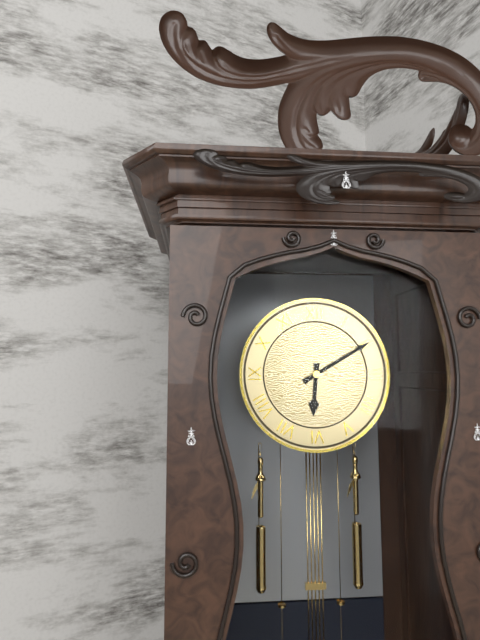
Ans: 6:10
